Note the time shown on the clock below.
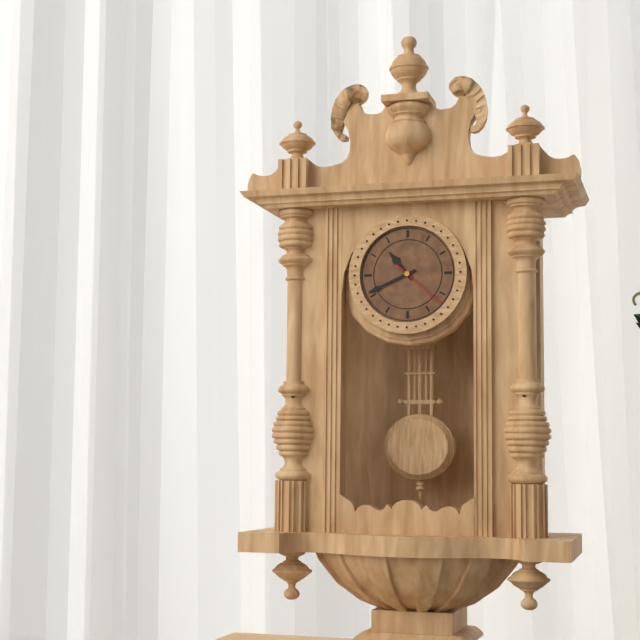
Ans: 10:41:22
